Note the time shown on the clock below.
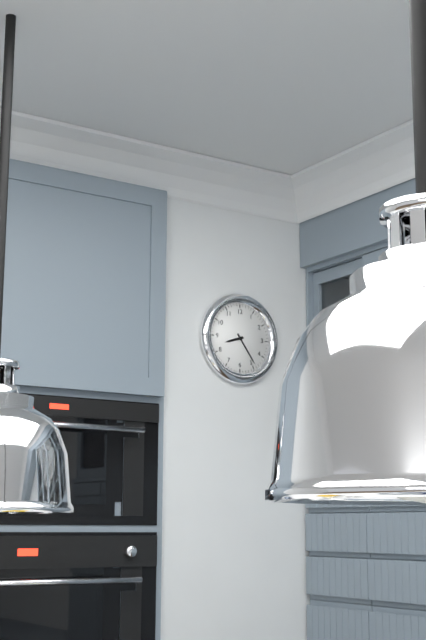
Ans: 8:24
